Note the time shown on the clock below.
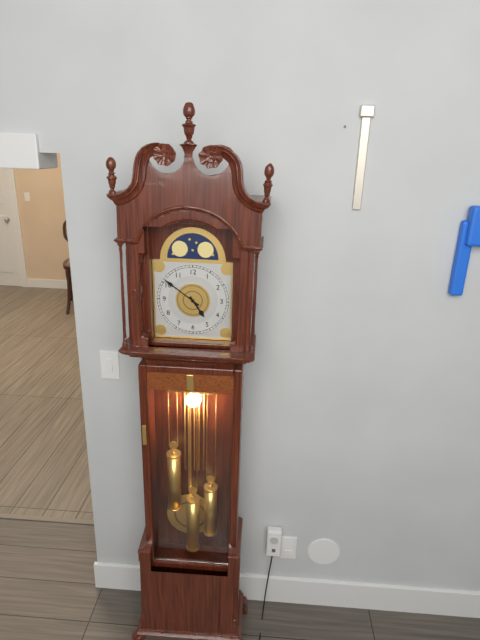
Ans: 4:51
